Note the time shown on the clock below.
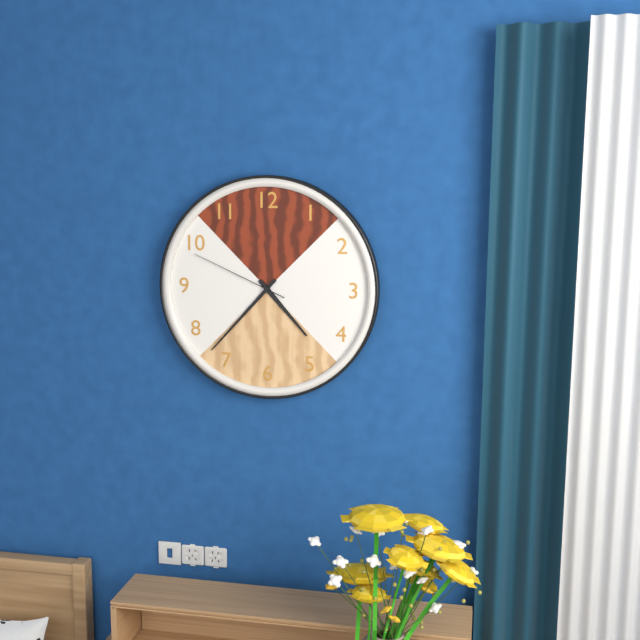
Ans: 4:37:49
